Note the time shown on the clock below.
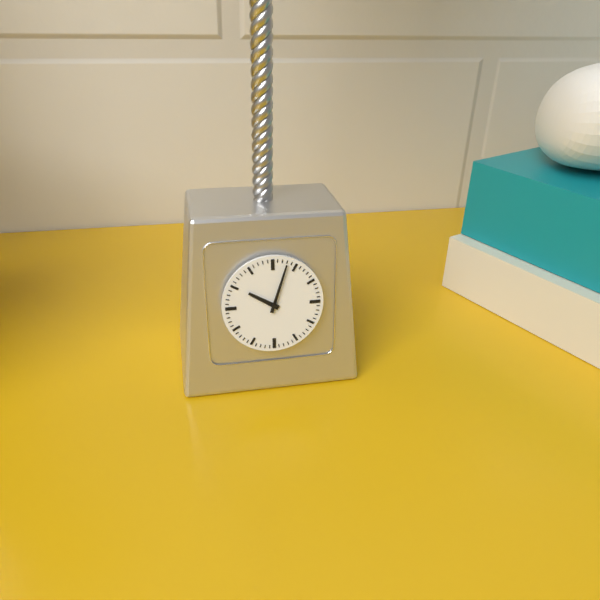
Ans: 10:03
